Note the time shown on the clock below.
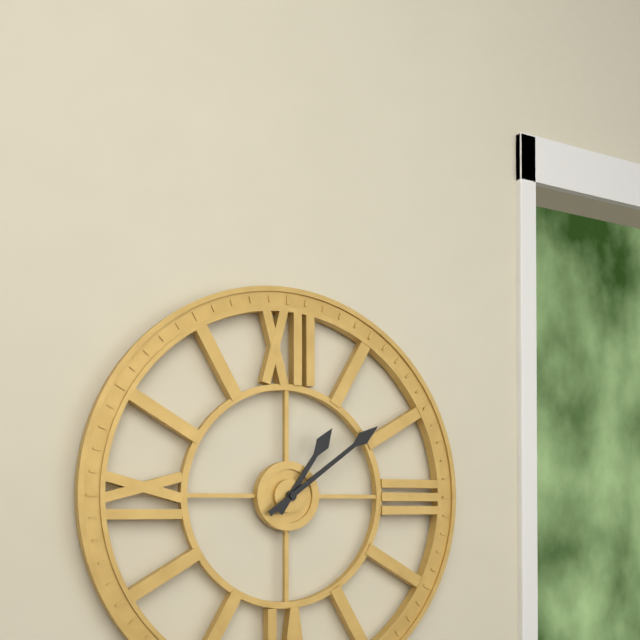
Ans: 1:09
